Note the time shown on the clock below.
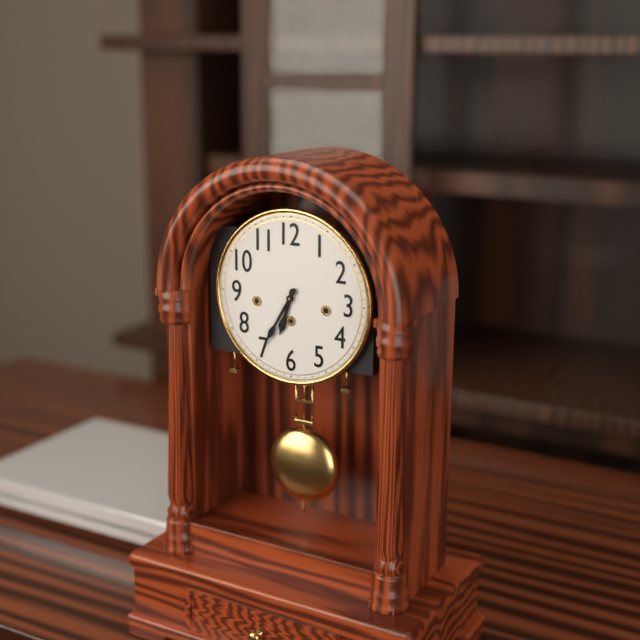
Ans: 6:35
